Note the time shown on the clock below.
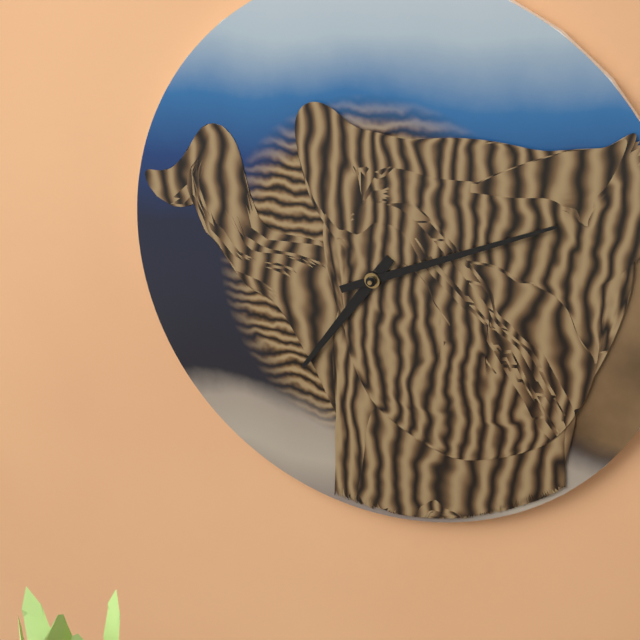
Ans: 7:11
